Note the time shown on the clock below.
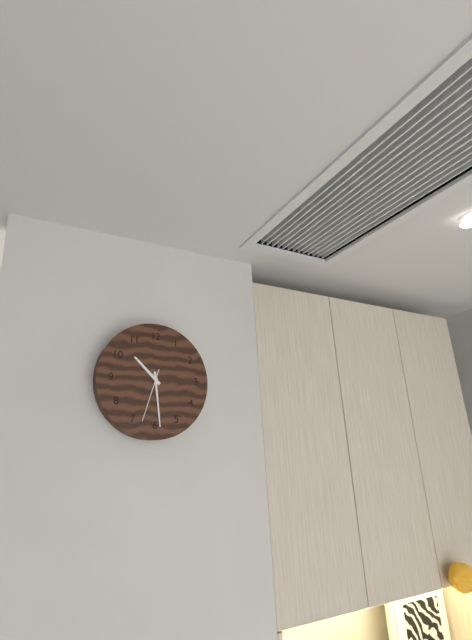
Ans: 10:29:33
